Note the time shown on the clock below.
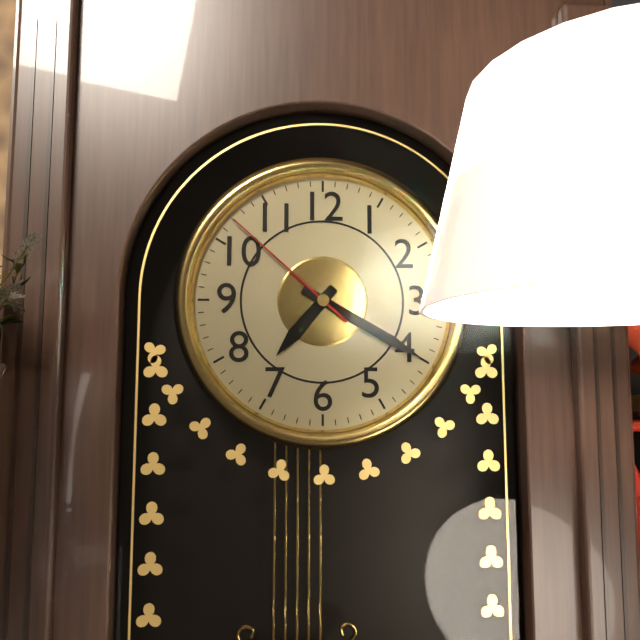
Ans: 7:20:52
